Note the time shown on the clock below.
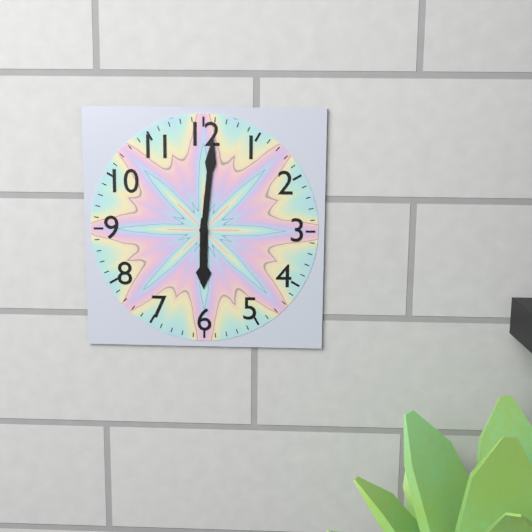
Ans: 6:01
